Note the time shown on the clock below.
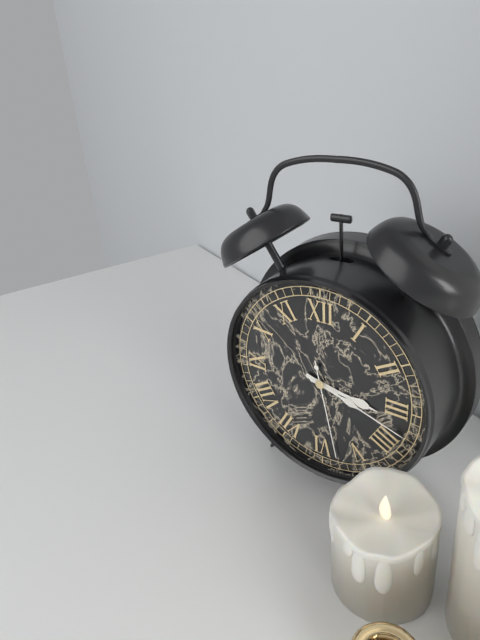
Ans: 3:18:28
